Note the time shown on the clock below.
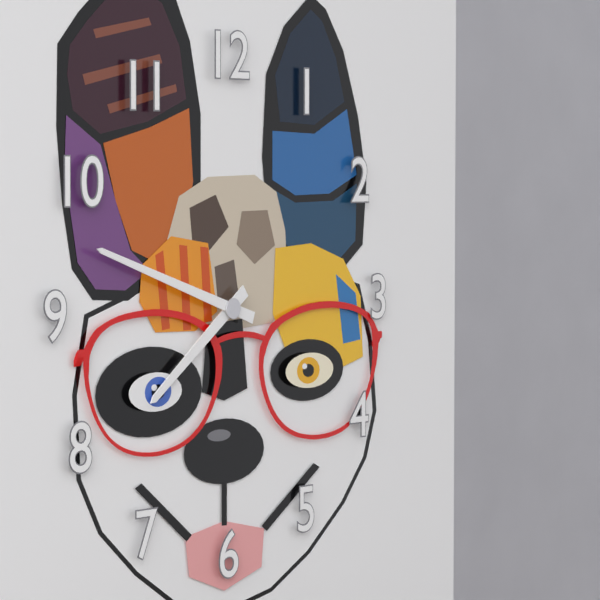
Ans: 7:48
